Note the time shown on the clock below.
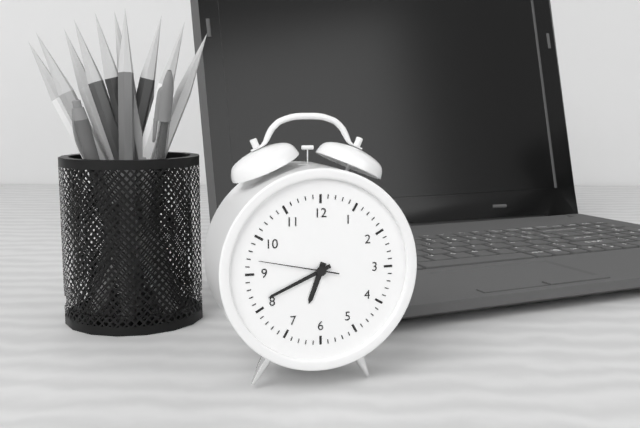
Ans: 6:41:47
